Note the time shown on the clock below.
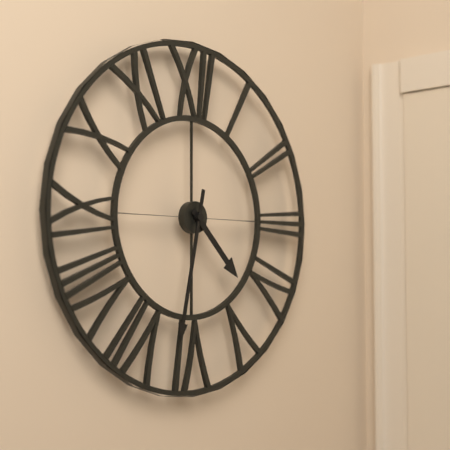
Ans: 4:32
